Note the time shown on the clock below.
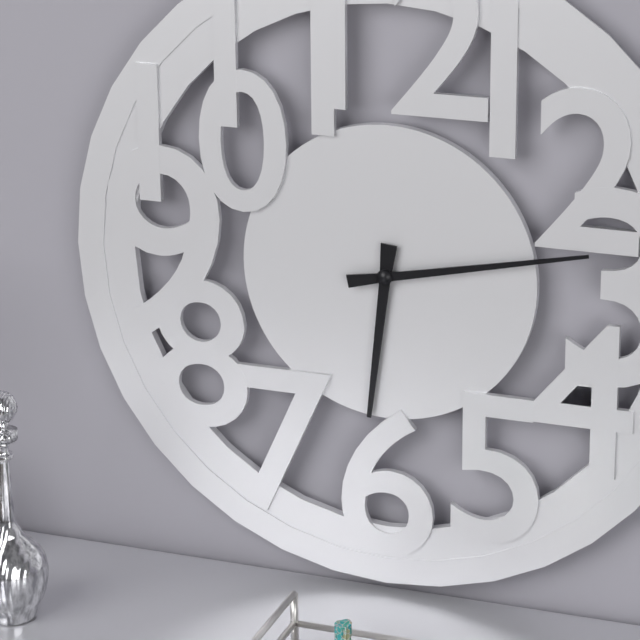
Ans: 6:13
